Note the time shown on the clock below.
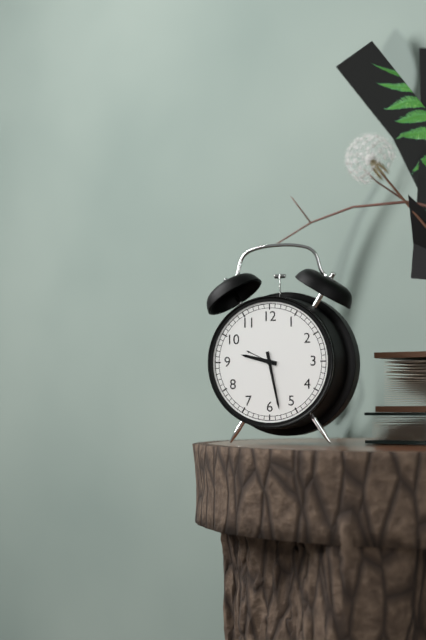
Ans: 9:28
